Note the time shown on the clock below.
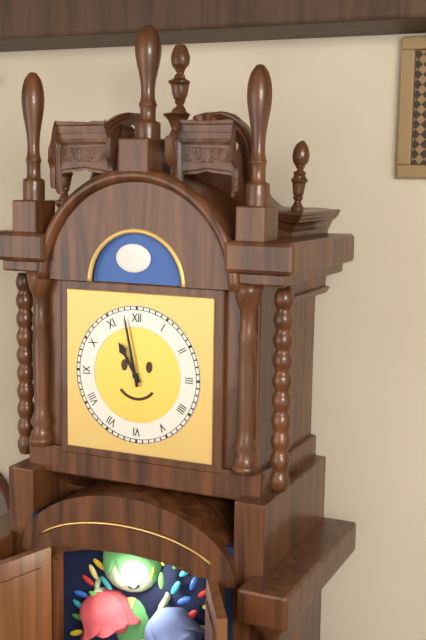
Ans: 10:58
